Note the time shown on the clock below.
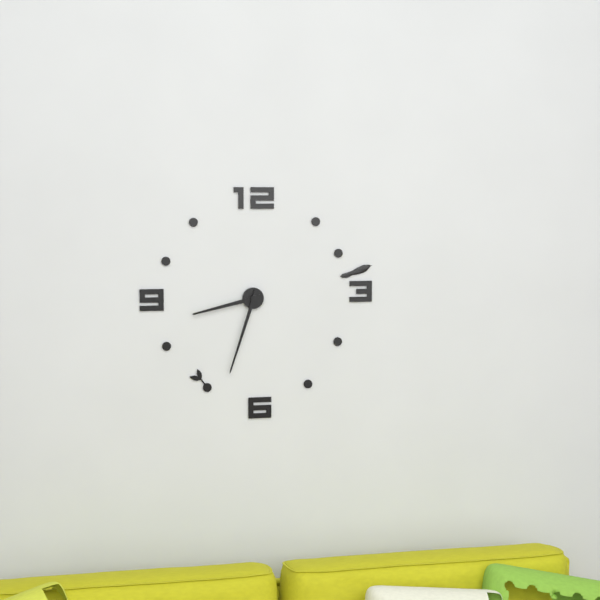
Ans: 8:33
